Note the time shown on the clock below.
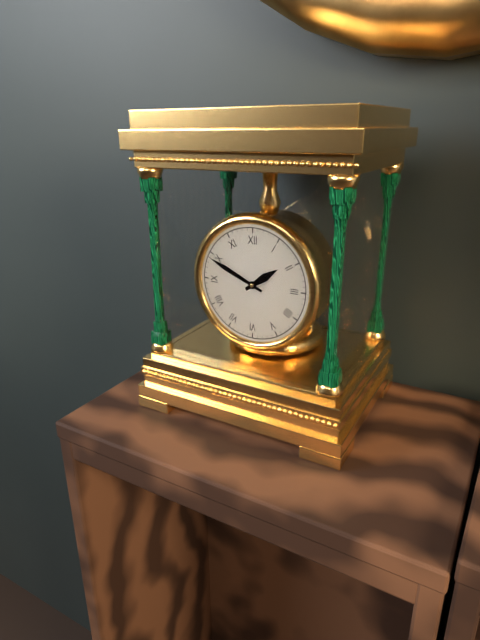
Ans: 1:49
